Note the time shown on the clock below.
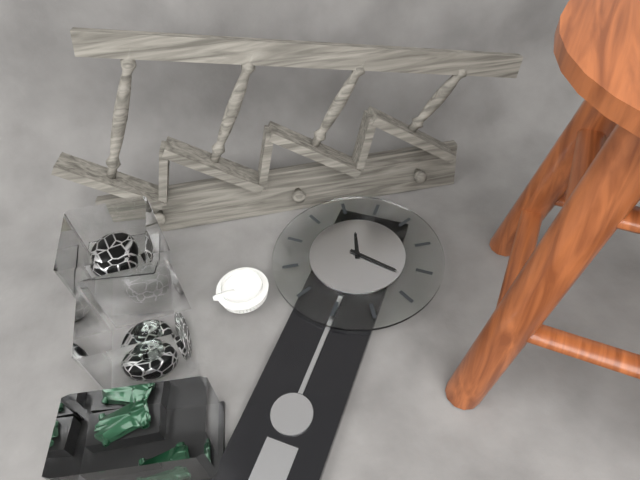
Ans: 11:17
